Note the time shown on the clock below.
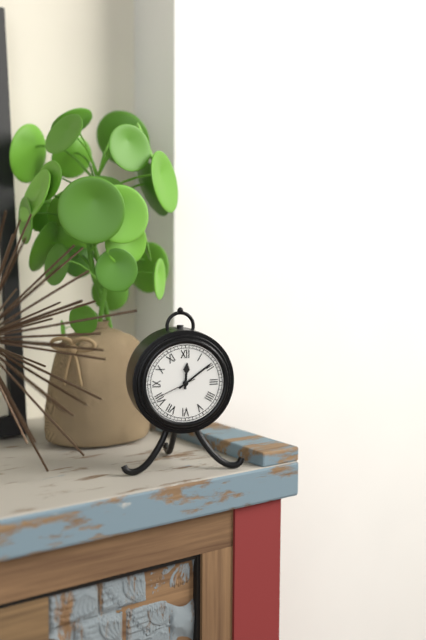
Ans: 12:09
